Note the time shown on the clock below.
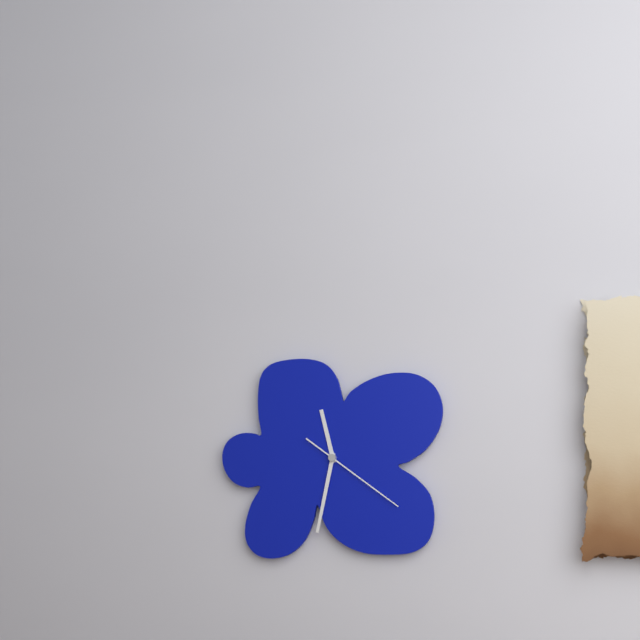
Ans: 11:32:21
